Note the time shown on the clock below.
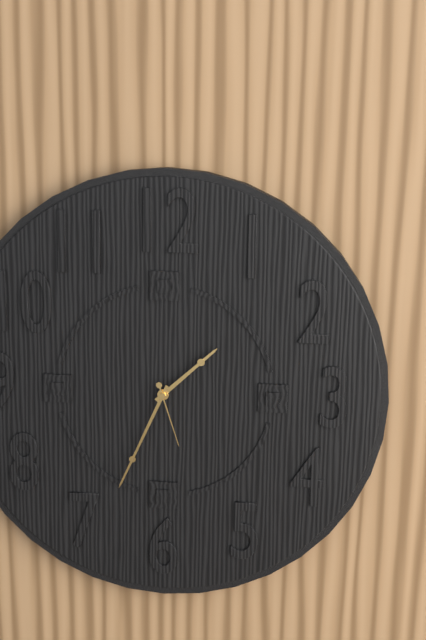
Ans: 1:34:27
